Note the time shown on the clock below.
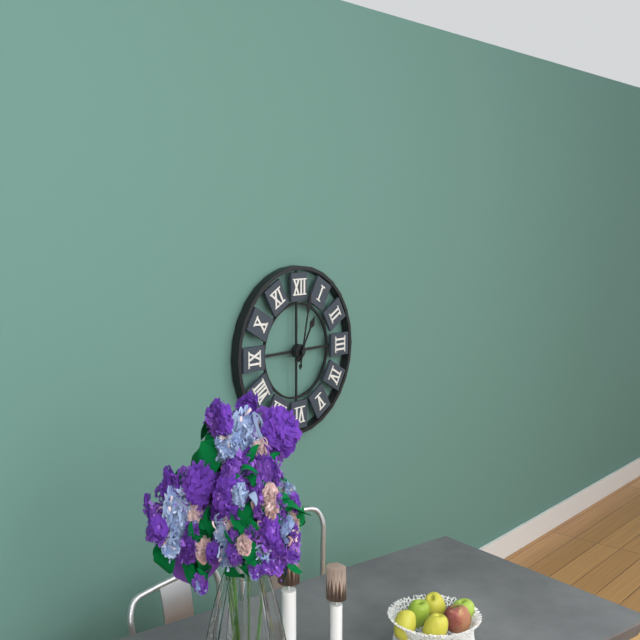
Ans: 1:02
